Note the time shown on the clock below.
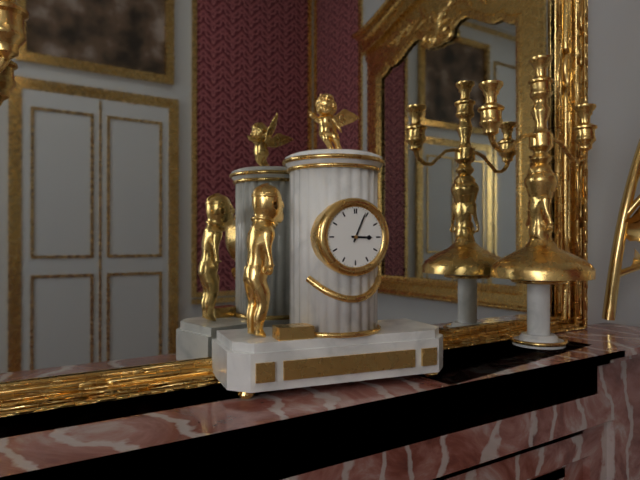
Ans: 3:04
